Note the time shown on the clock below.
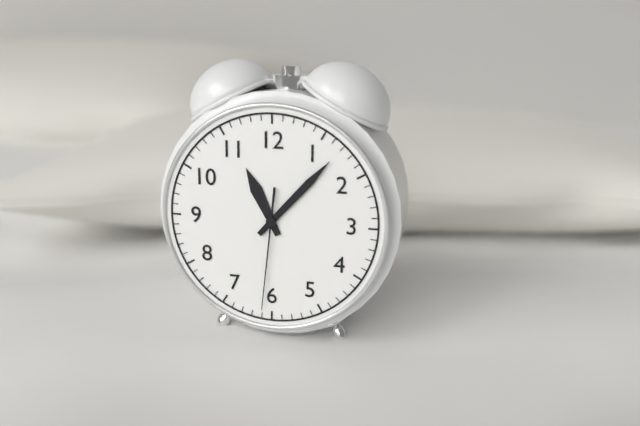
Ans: 11:07:31
